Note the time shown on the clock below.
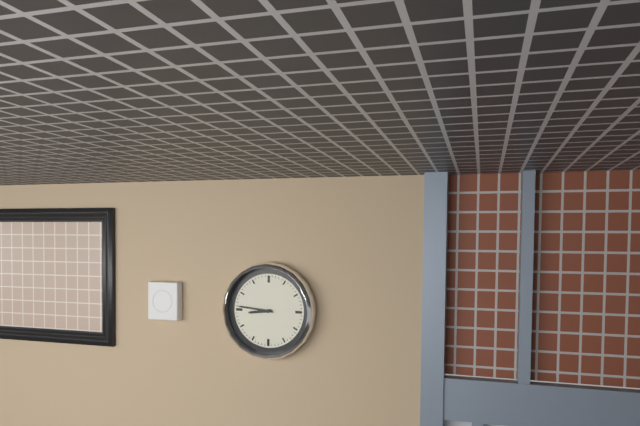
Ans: 8:46
